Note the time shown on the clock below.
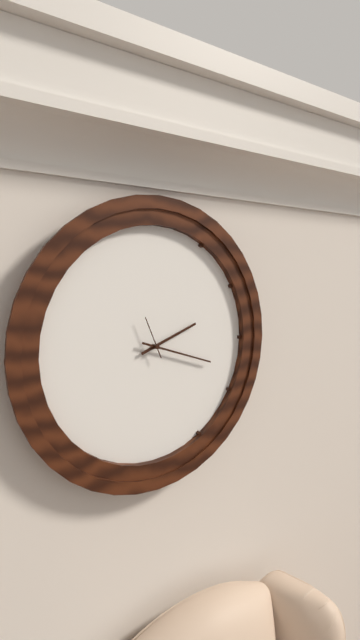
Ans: 2:18
